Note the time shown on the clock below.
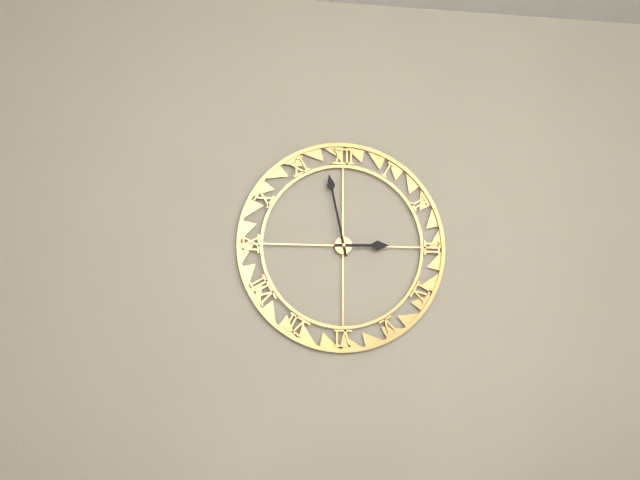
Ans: 2:58
